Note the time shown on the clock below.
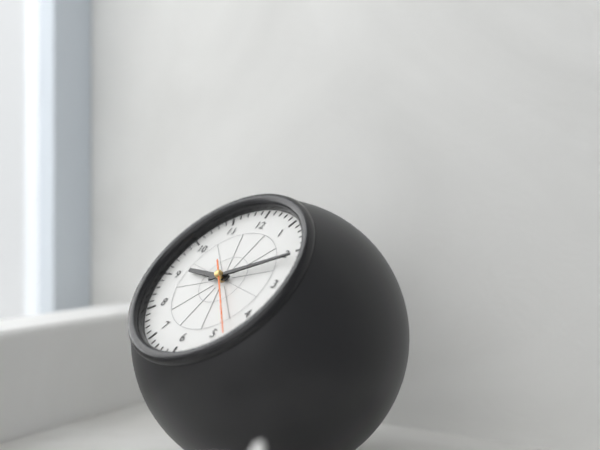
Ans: 9:11:23
